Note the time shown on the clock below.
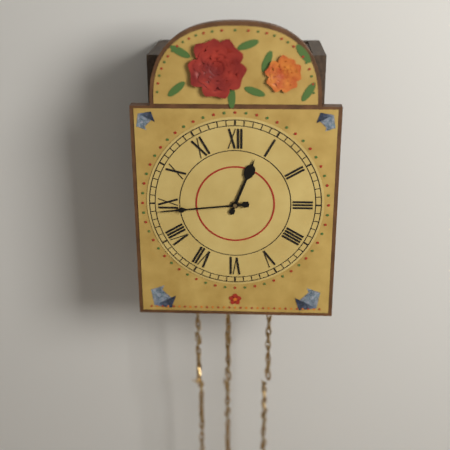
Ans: 12:44
